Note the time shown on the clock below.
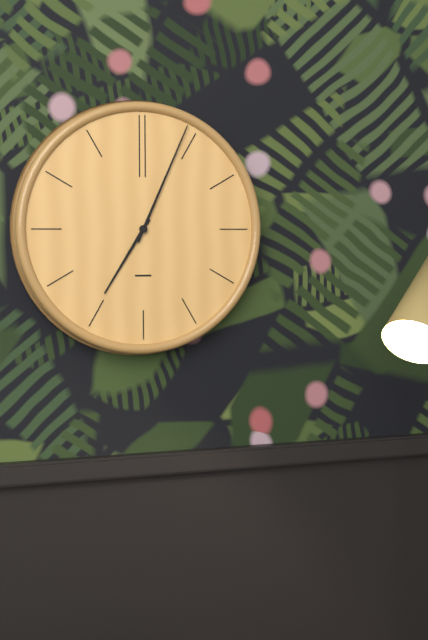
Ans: 7:04
